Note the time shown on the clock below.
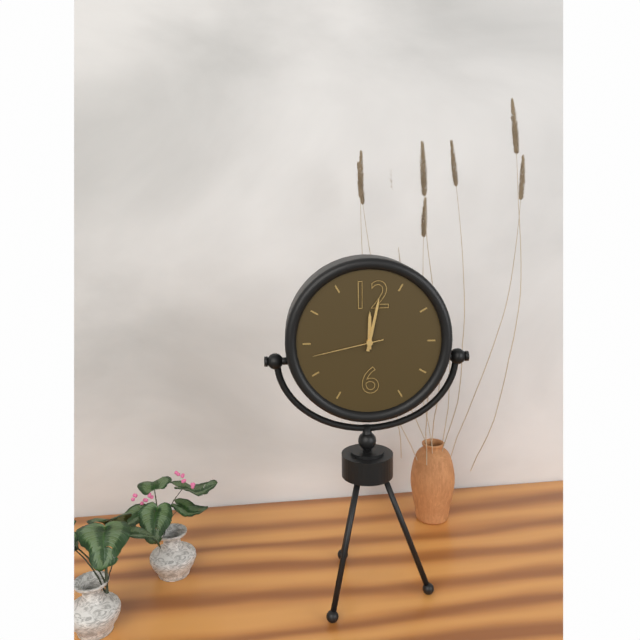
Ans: 12:02:43
